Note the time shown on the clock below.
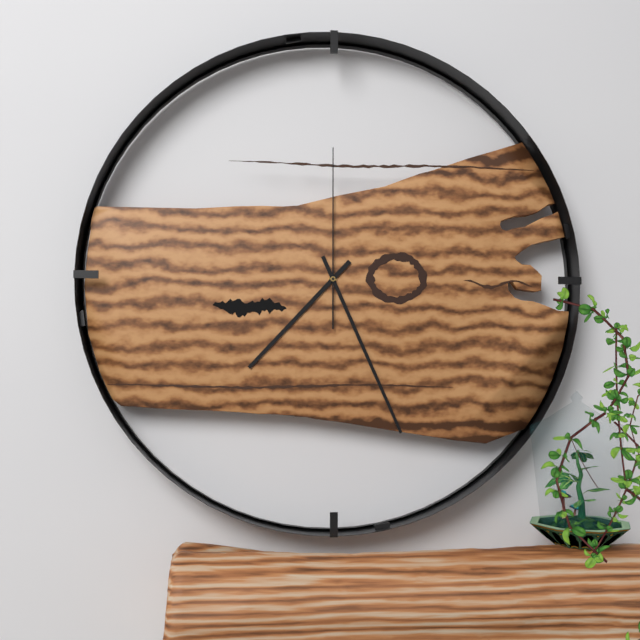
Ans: 7:26:00
